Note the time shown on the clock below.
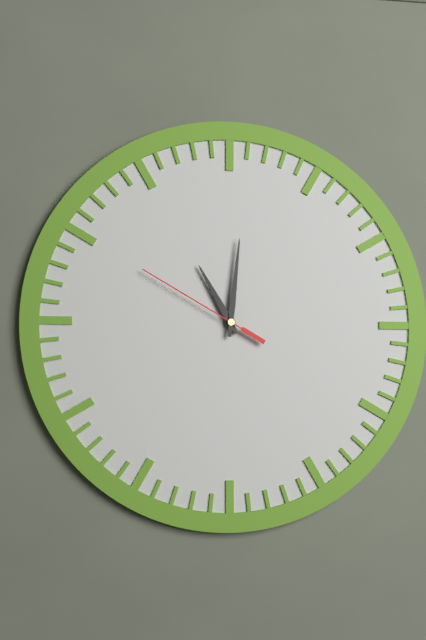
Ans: 11:01:50
